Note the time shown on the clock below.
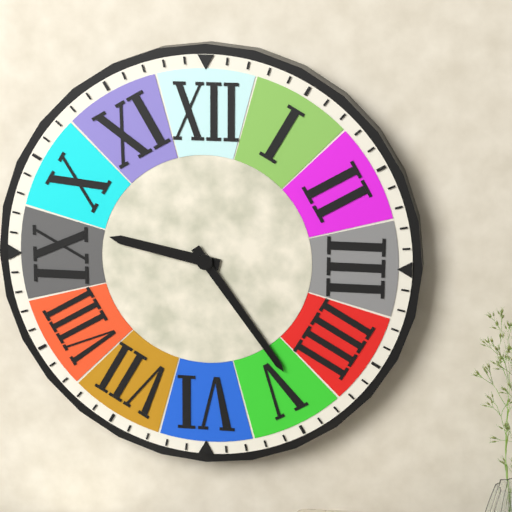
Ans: 9:24
